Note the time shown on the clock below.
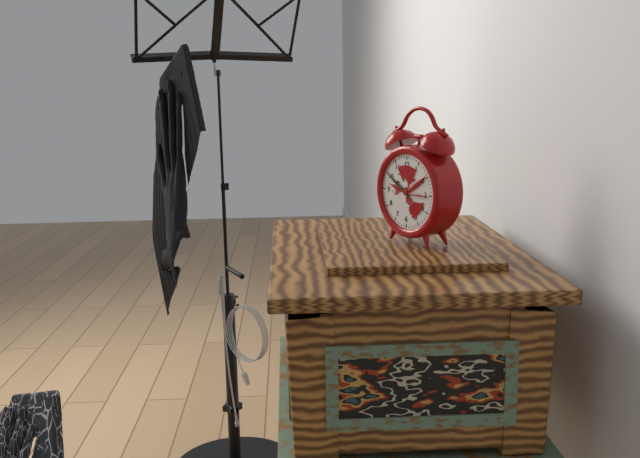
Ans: 9:50
